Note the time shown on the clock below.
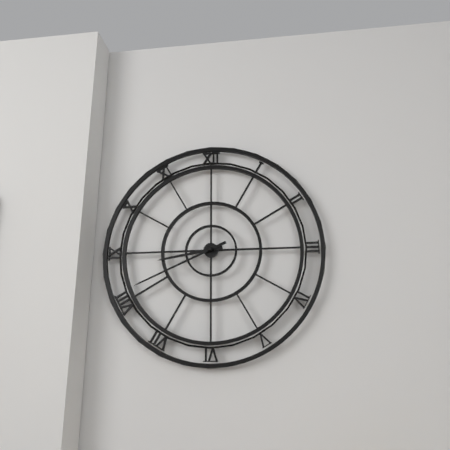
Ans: 8:41
